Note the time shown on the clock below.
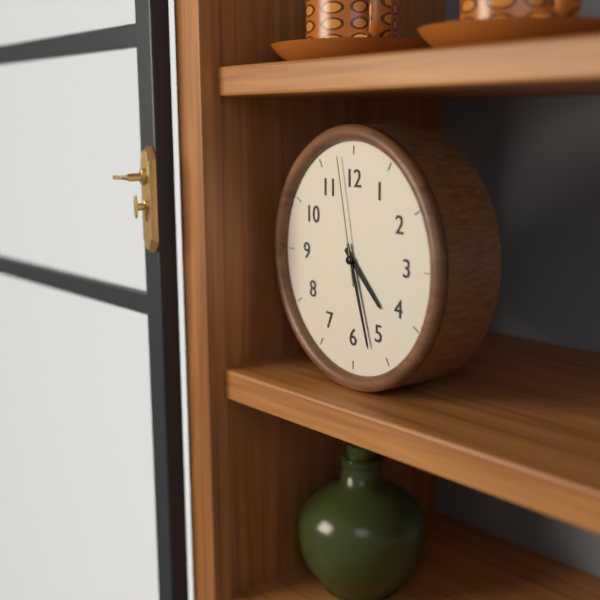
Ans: 4:27:58
